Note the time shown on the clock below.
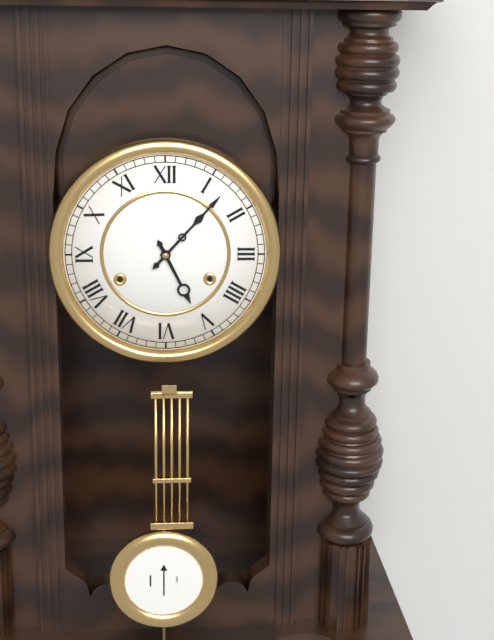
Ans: 5:07
